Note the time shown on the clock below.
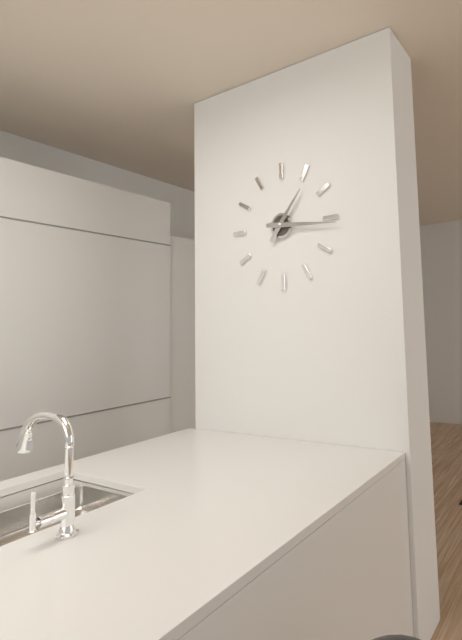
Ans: 1:16
